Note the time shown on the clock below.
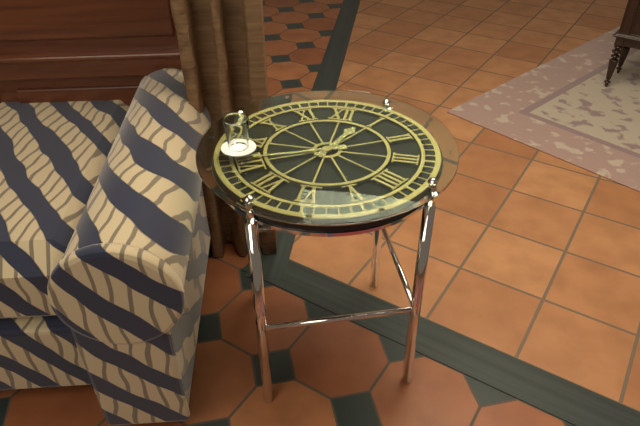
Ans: 12:41
